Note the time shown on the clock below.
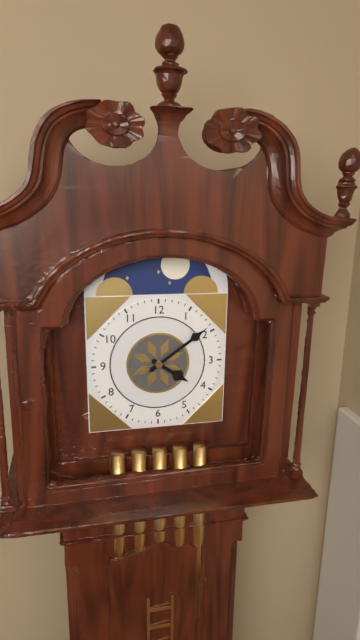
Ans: 4:09
